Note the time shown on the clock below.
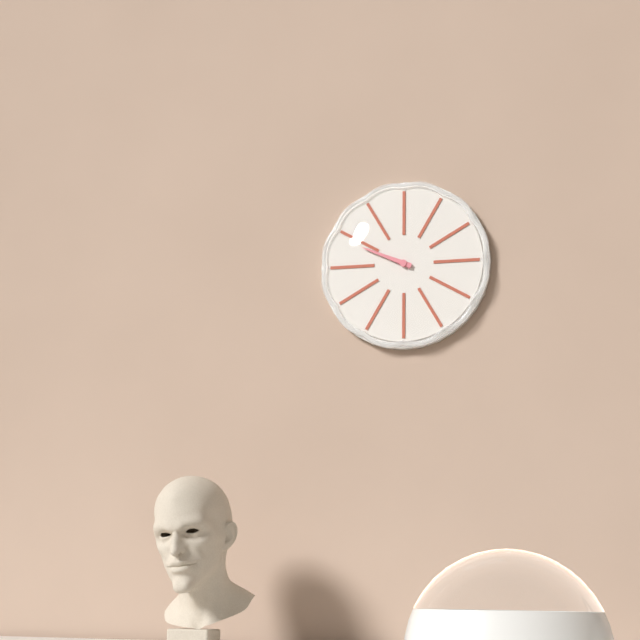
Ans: 9:49
